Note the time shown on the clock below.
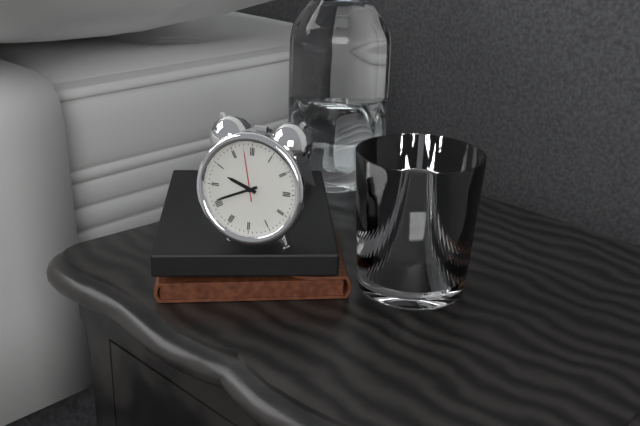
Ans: 9:41:58
